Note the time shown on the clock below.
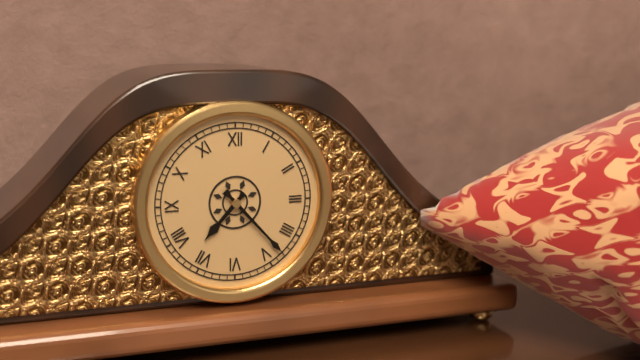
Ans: 7:23
